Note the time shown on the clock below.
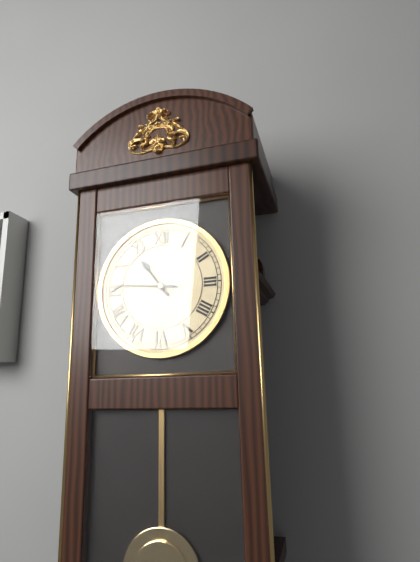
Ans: 10:46
